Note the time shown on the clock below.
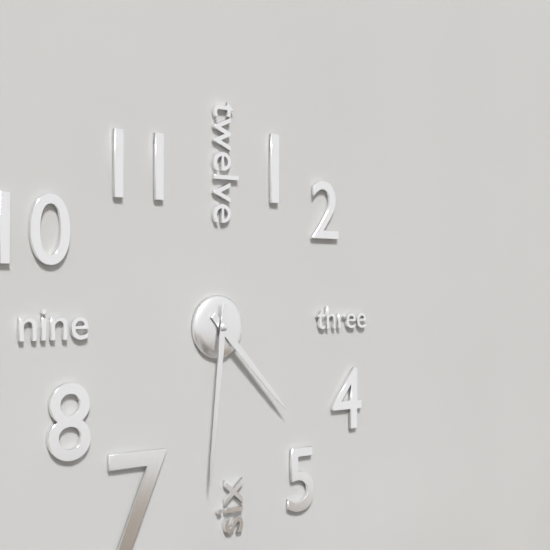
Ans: 4:31
